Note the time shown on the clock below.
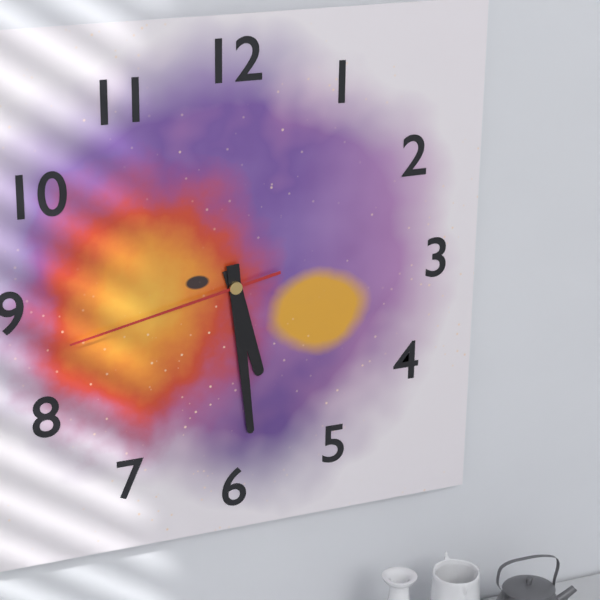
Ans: 5:29:43
